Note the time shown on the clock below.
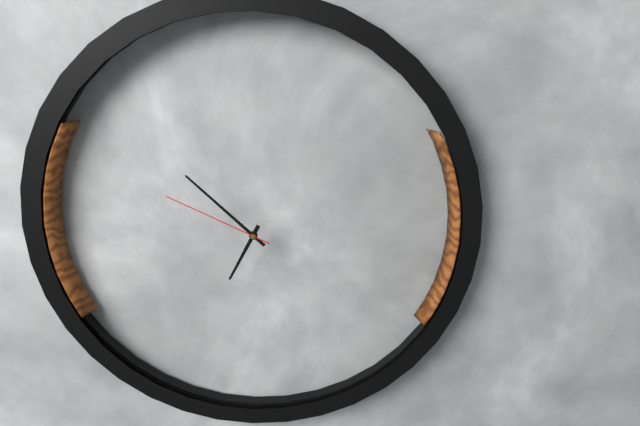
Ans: 6:52:49
